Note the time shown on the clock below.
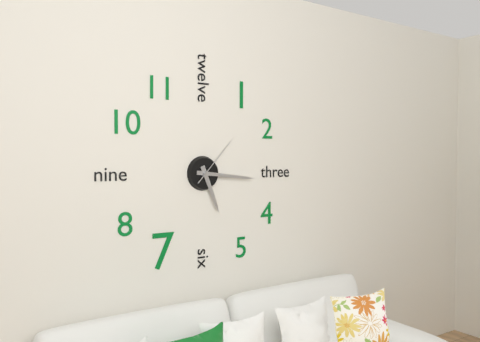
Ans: 5:16:07
